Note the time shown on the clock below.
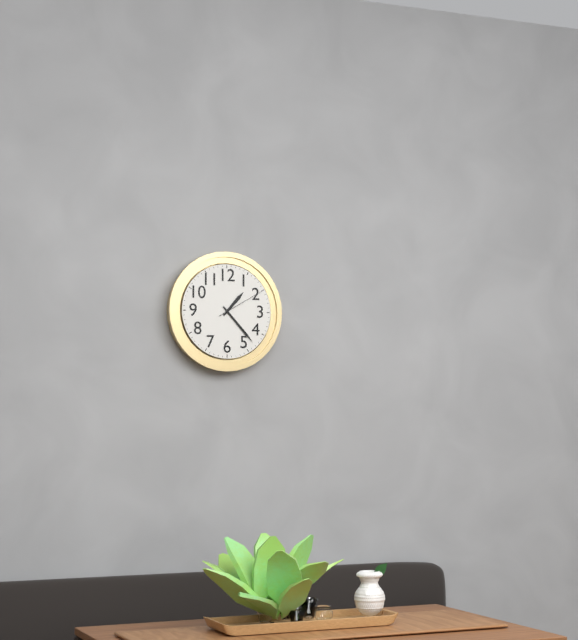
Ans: 1:23:10
